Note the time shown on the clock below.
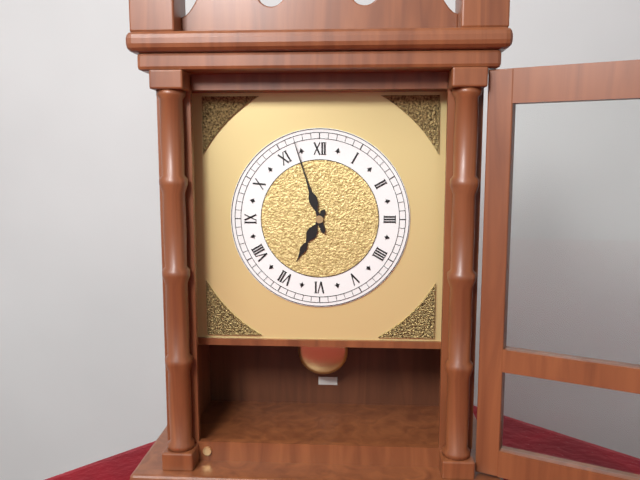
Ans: 6:57
